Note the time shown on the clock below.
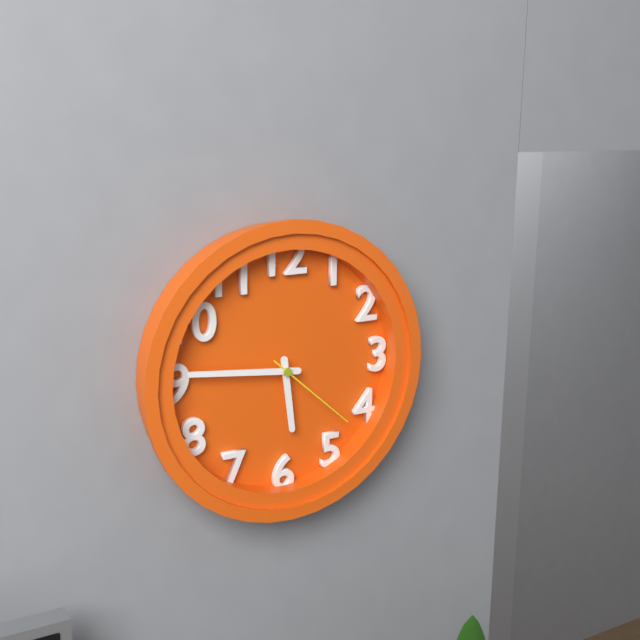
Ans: 5:46:22
